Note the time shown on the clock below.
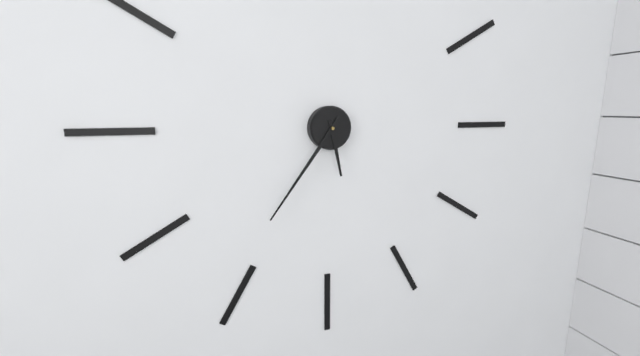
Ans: 5:36
